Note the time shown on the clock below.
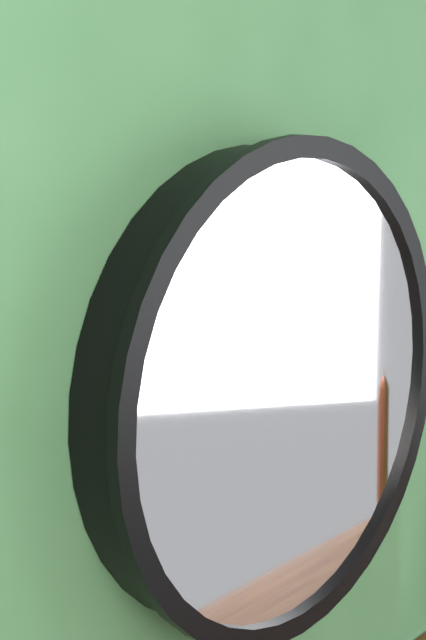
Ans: 7:59
